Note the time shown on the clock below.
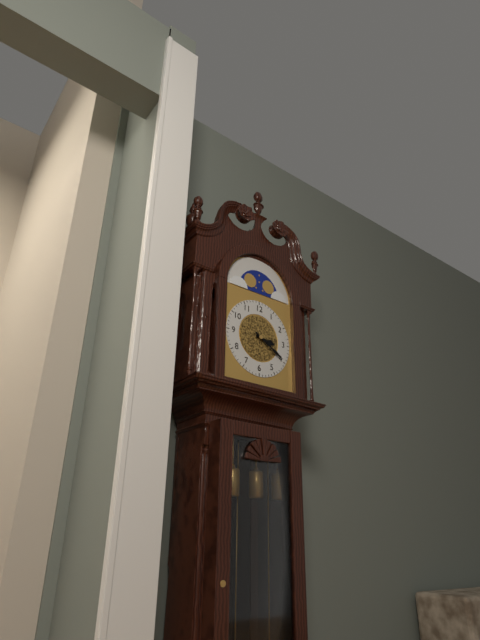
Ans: 3:20
